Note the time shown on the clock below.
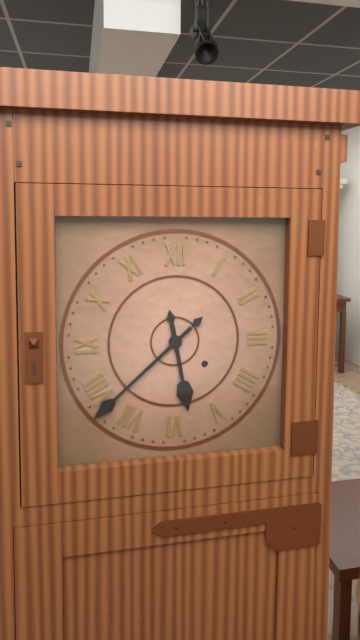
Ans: 5:38
